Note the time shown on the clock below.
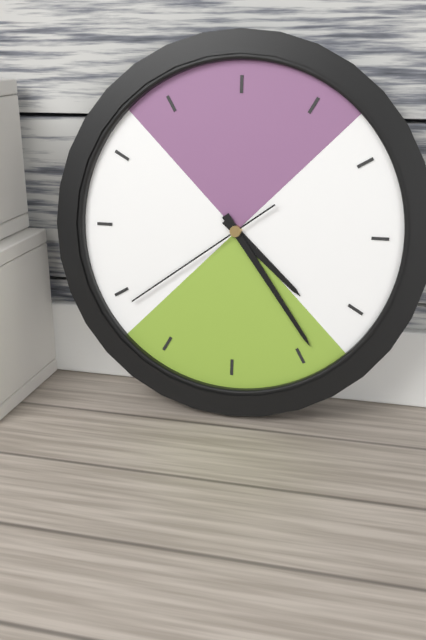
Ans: 4:24:39
